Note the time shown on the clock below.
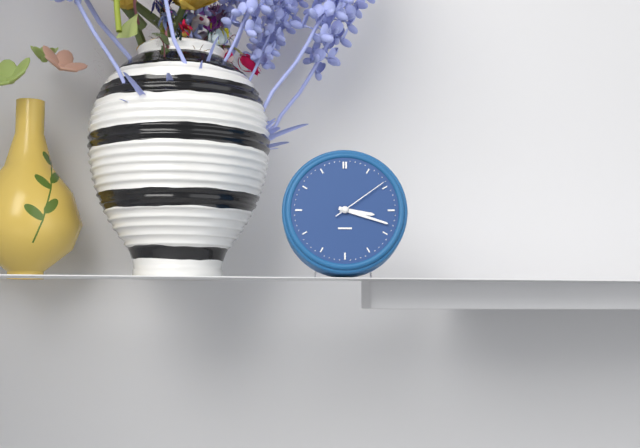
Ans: 3:18:09
